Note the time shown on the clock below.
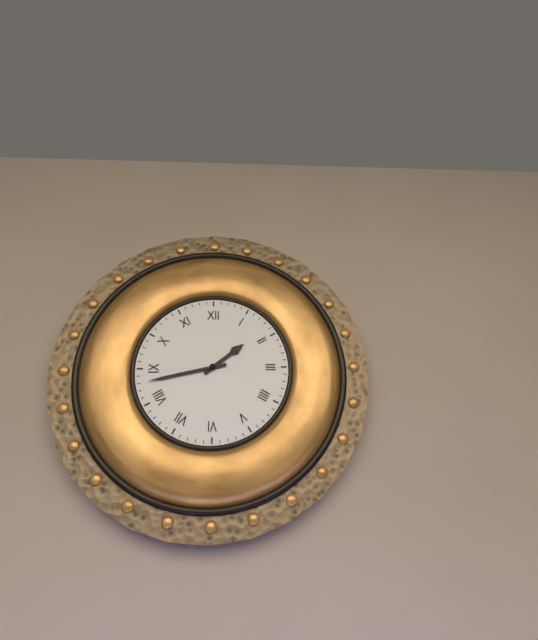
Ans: 1:43
